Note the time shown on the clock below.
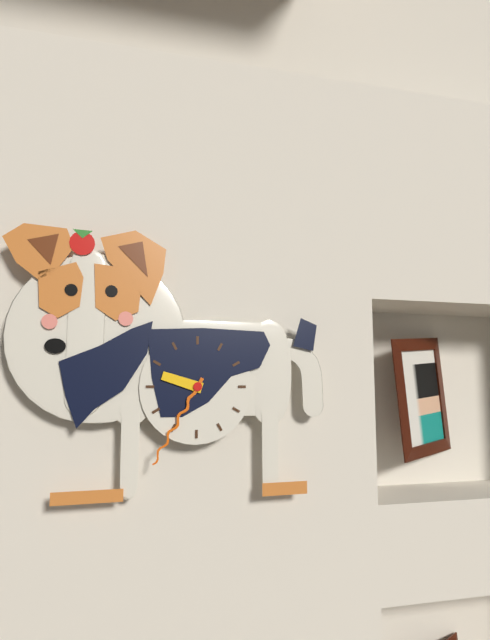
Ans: 9:35
